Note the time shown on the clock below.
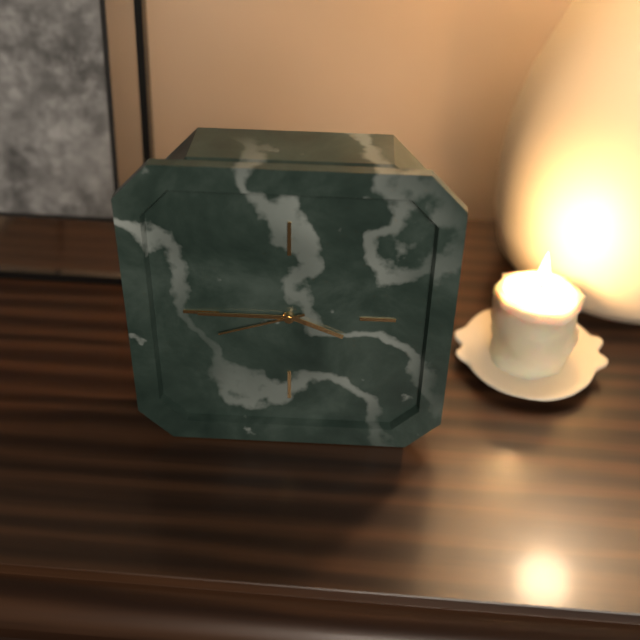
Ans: 3:45:42
